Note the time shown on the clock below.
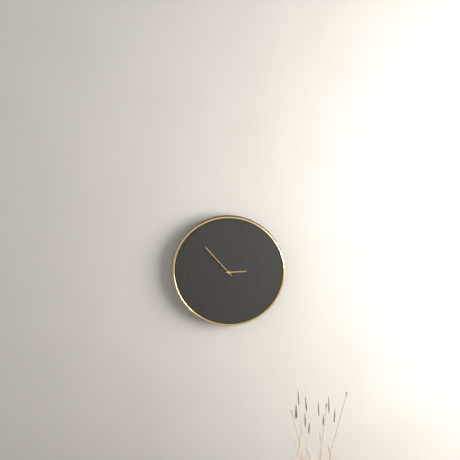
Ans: 2:53
